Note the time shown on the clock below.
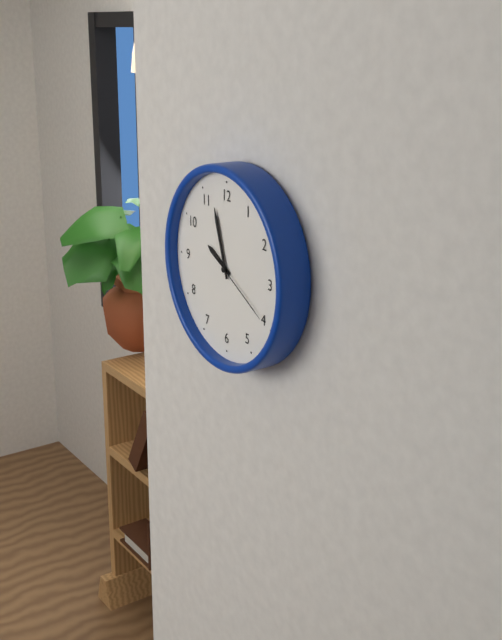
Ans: 9:57:20
